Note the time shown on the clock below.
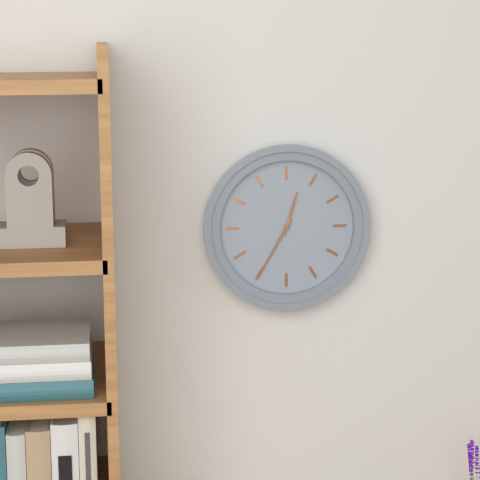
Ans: 12:35
